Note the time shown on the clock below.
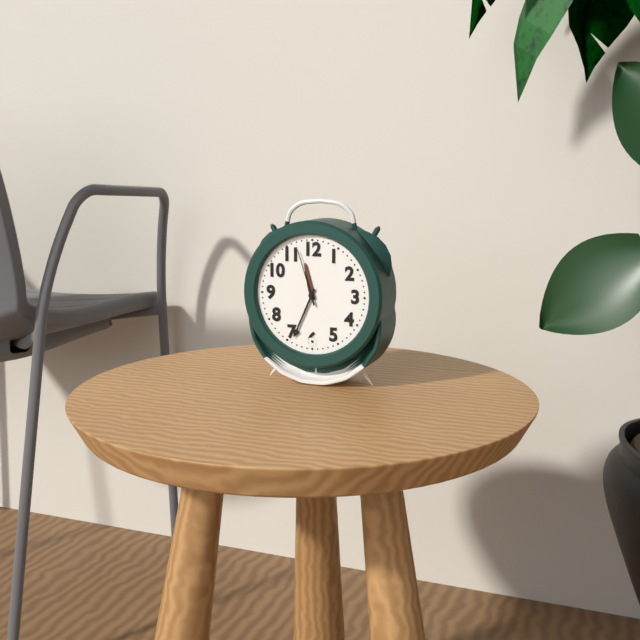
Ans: 11:34:57
